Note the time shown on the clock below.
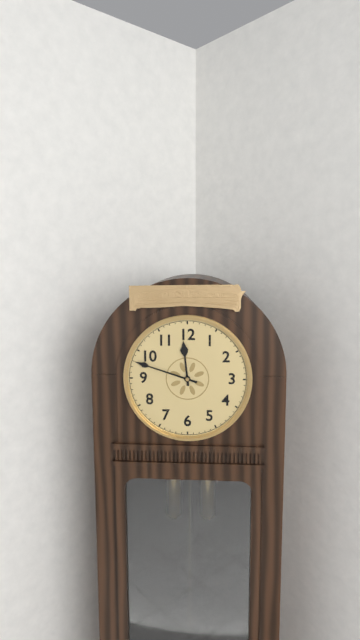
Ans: 11:48
